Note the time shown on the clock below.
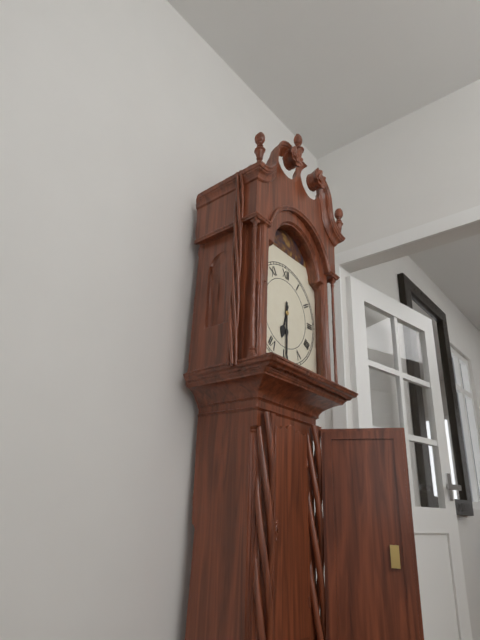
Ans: 6:30
